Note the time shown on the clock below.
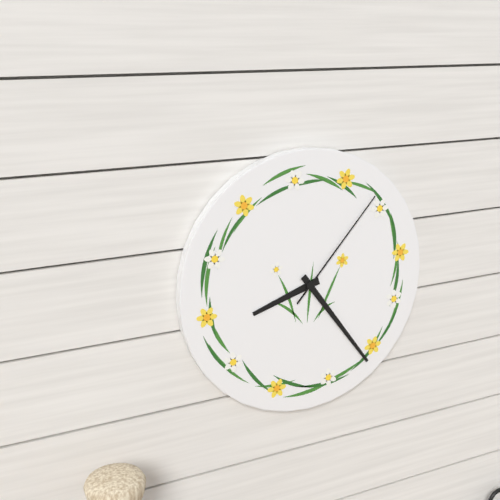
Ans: 8:24:07
